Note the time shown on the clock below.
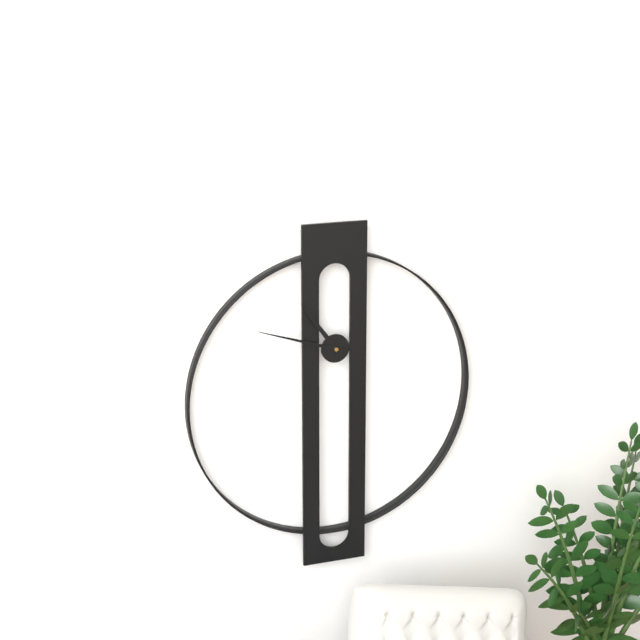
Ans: 10:48
